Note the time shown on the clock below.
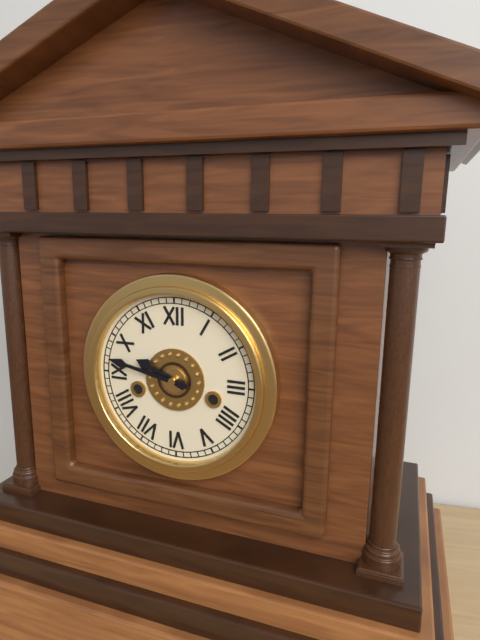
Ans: 9:47
